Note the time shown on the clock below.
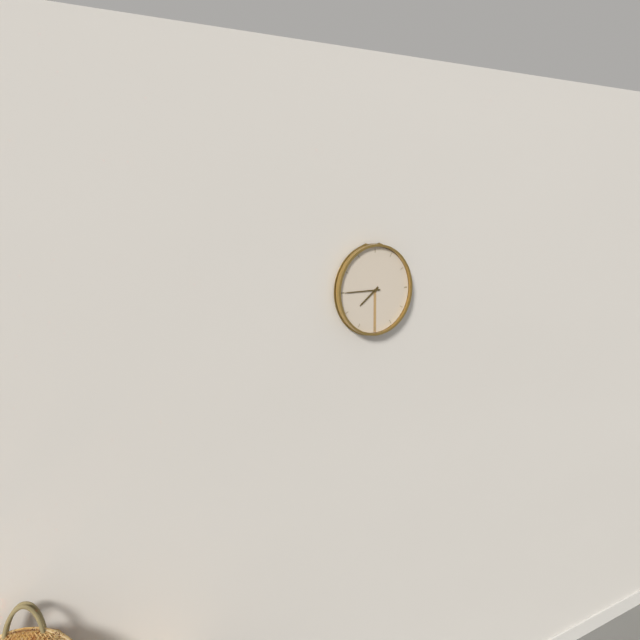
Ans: 7:45
